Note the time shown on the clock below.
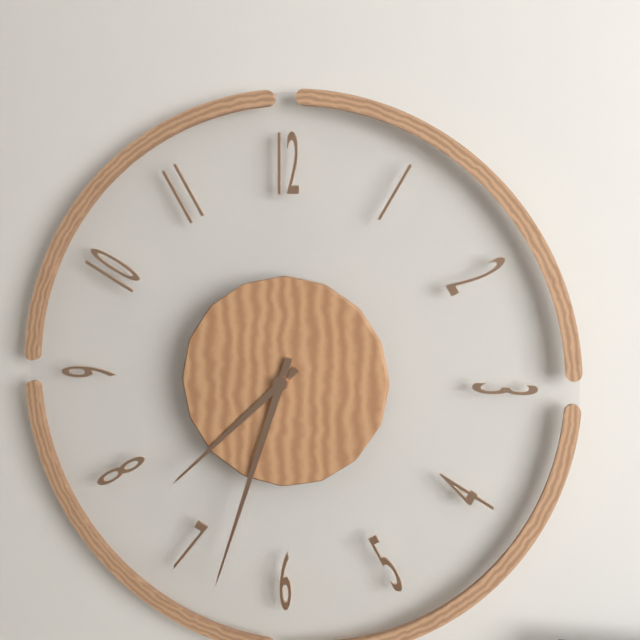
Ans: 7:33
